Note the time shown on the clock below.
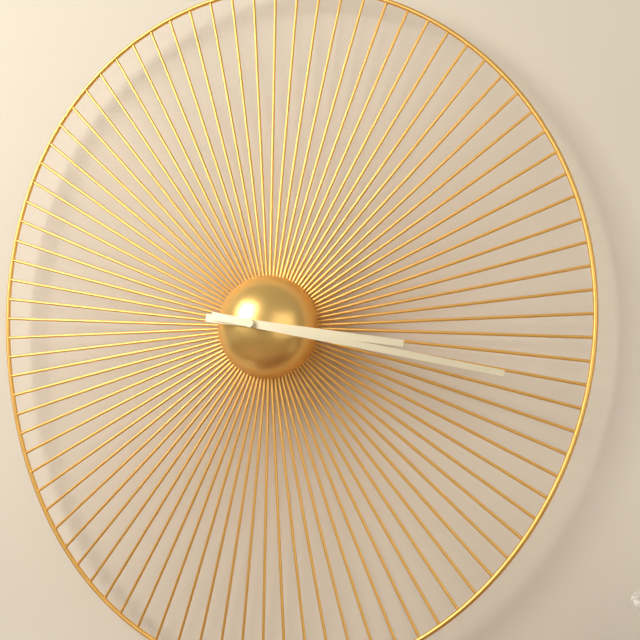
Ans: 3:17
